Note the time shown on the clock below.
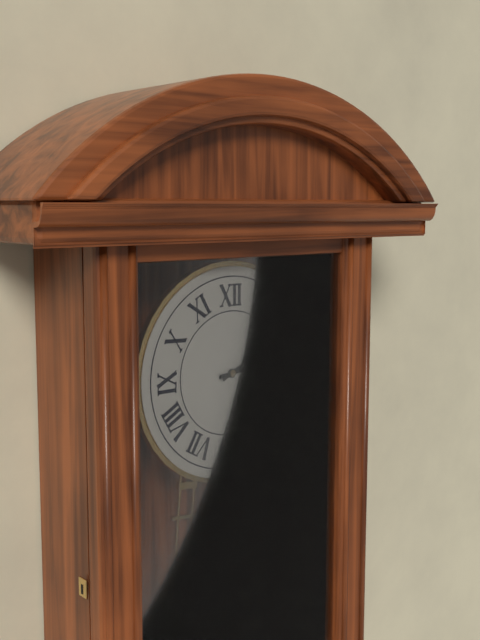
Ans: 2:14
